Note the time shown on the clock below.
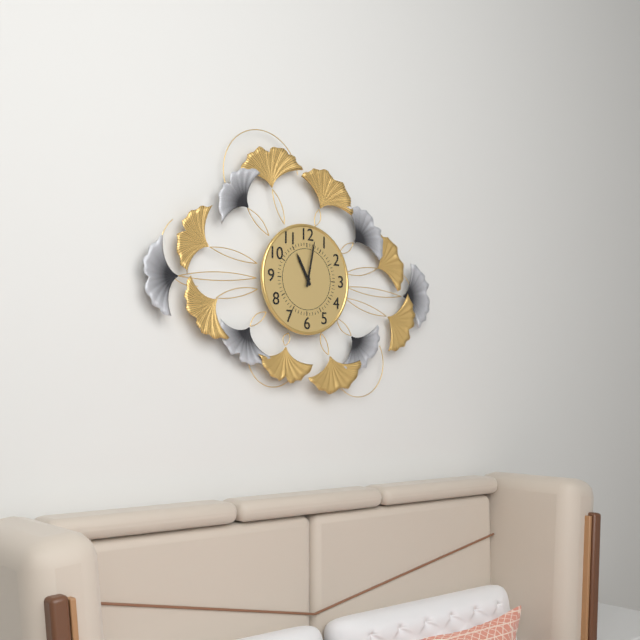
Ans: 11:02
